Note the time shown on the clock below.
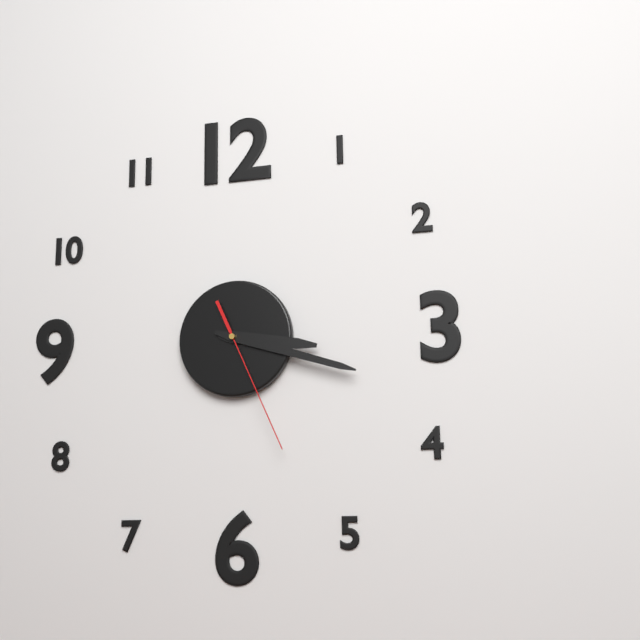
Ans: 3:18:26
